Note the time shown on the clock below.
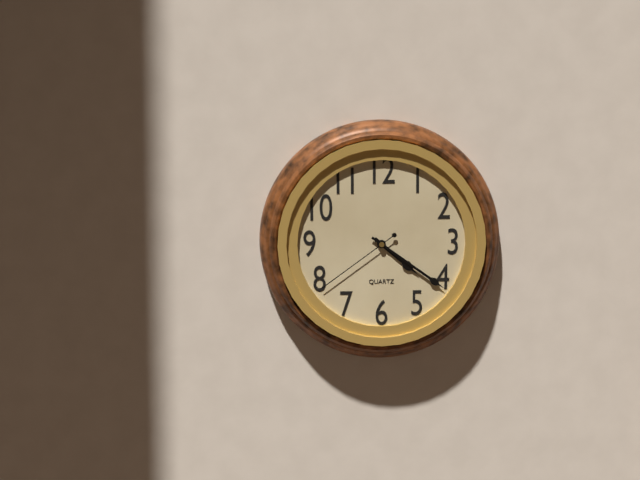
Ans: 4:21:39
